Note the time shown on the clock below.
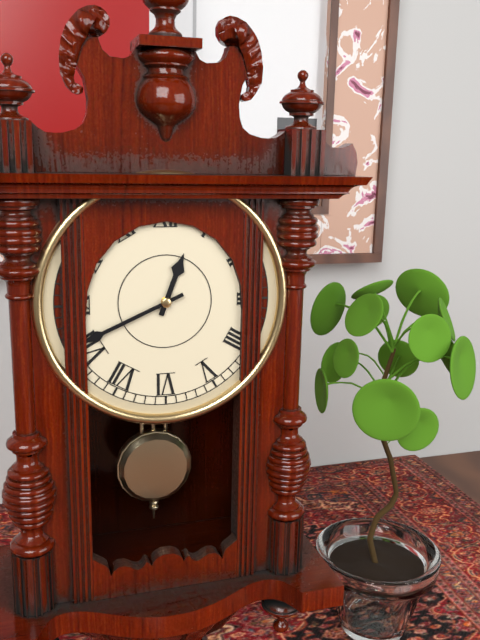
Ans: 12:41
